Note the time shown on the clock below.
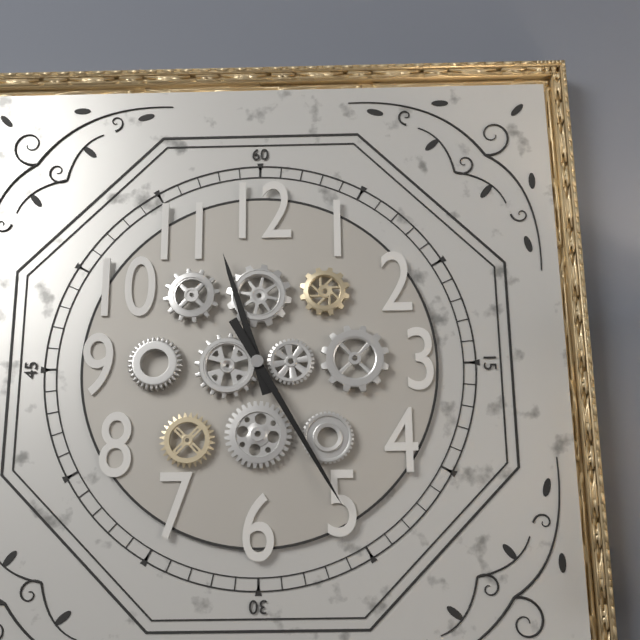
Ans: 11:25
